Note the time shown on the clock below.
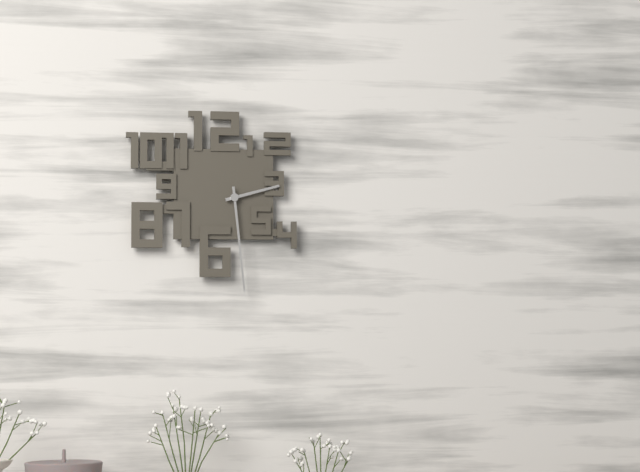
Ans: 2:29
